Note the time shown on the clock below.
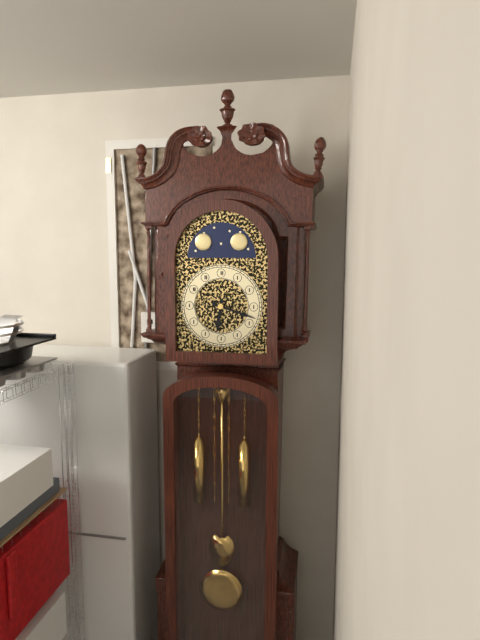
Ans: 6:18
